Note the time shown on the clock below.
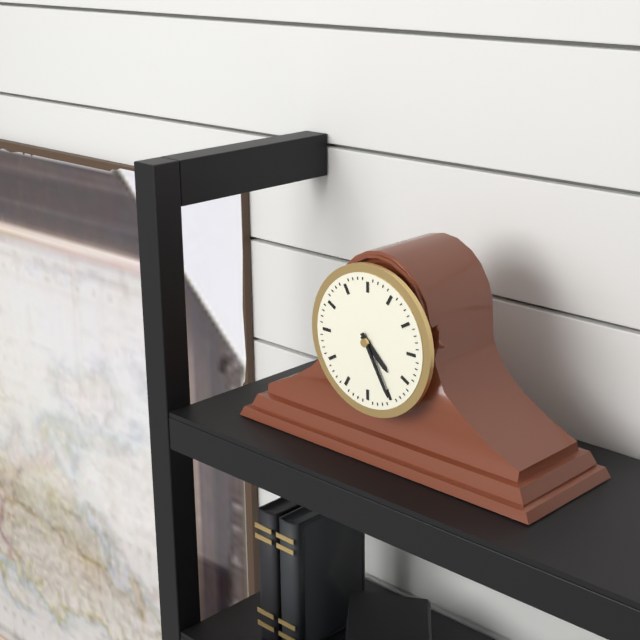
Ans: 4:25
